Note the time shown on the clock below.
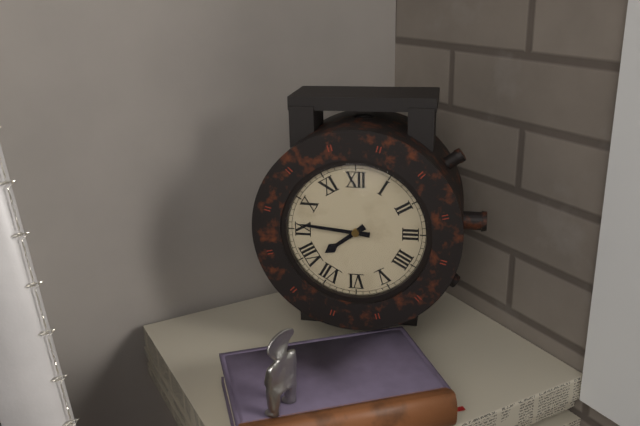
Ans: 7:46
